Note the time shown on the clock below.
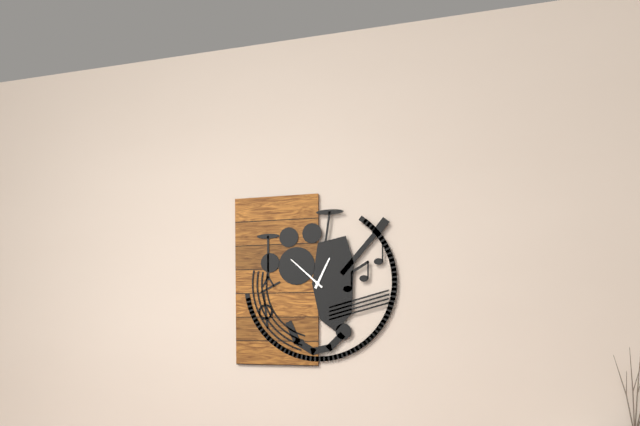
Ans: 12:52
